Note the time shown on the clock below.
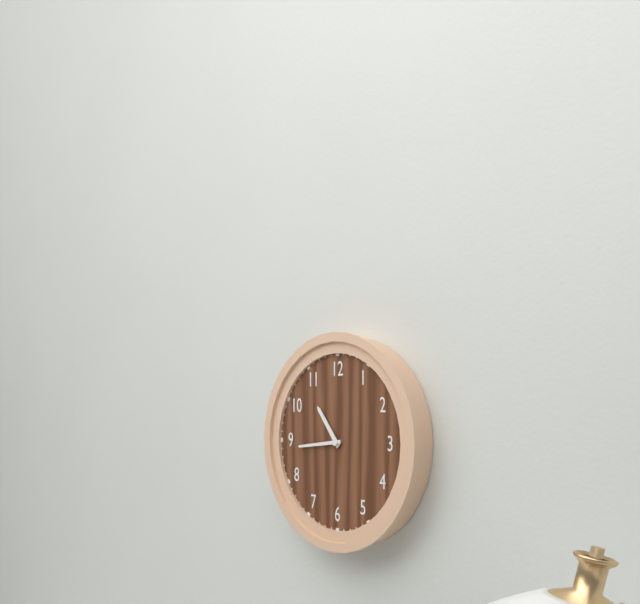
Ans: 10:44
